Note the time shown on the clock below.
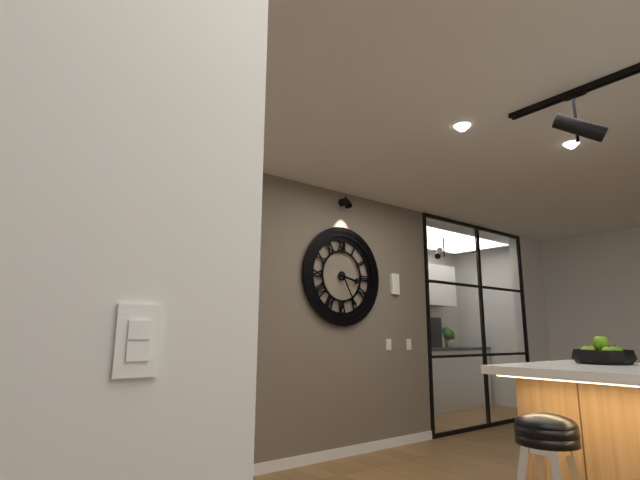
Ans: 3:25
